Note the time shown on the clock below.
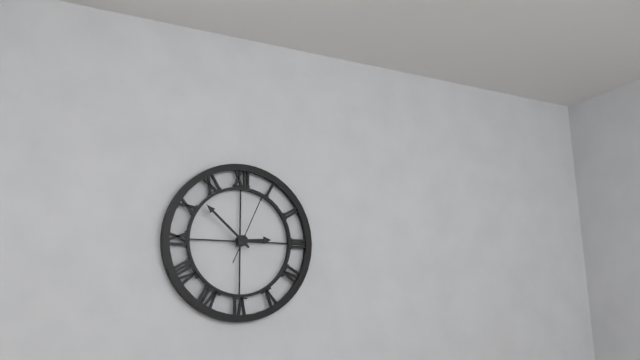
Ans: 2:52:04
